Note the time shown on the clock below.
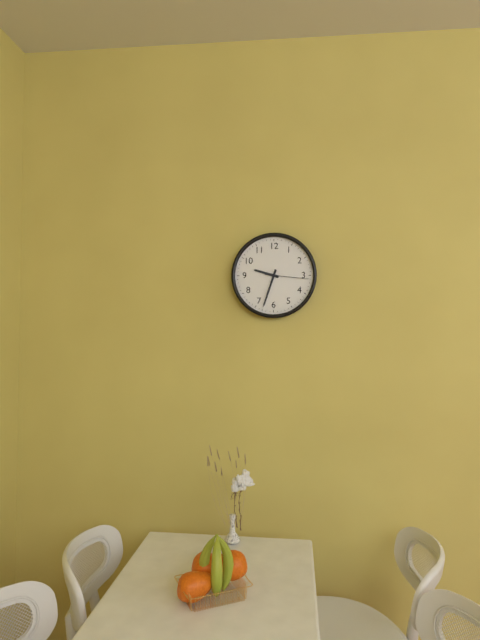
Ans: 9:33
